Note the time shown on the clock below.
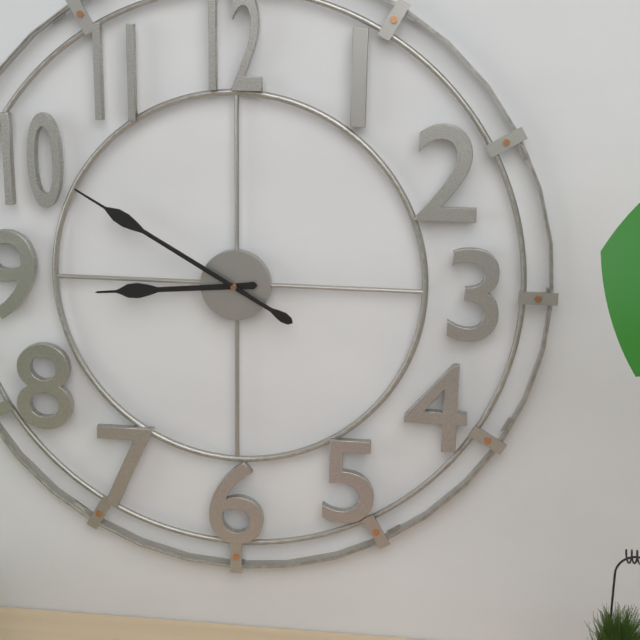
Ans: 8:50
